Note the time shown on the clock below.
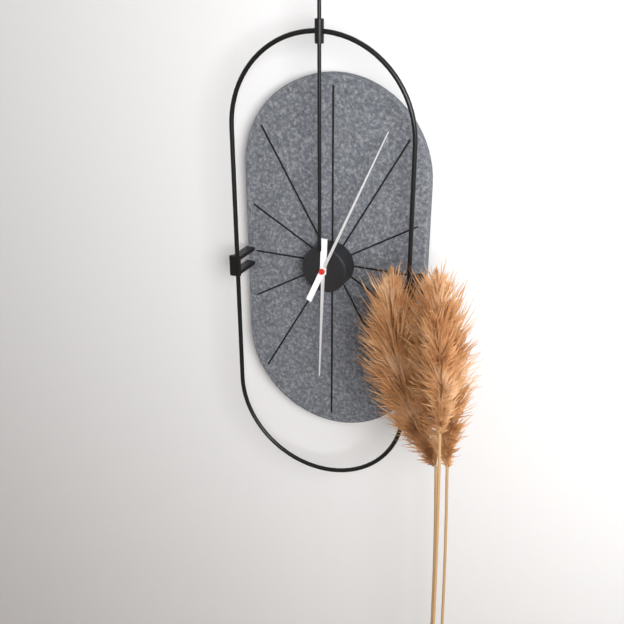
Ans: 6:04
